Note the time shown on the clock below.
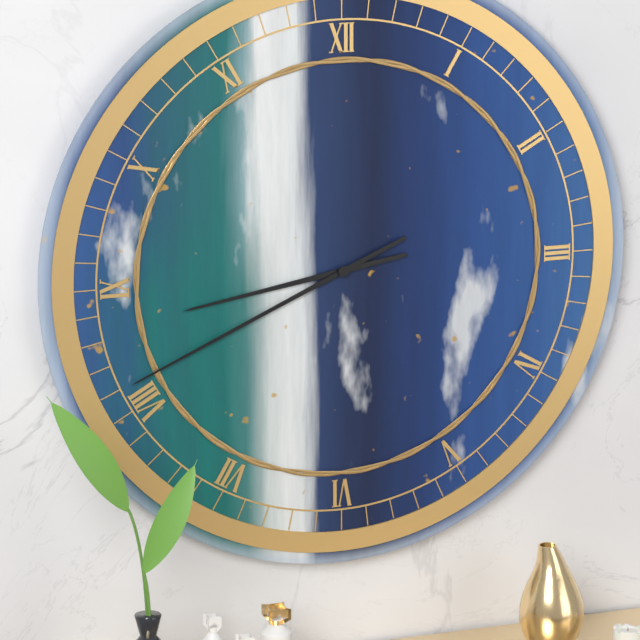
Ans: 8:41
